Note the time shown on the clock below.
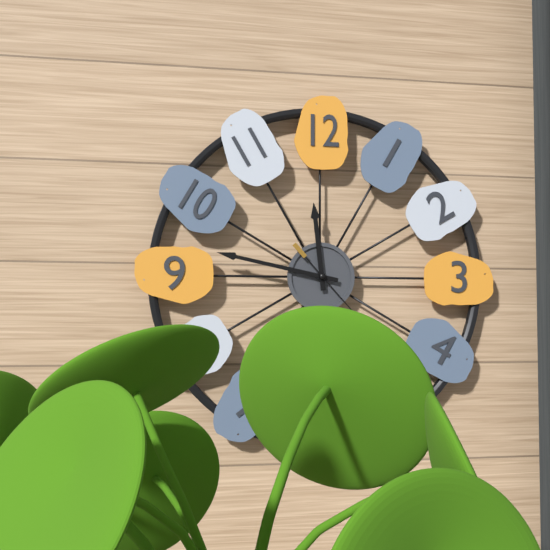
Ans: 11:47
